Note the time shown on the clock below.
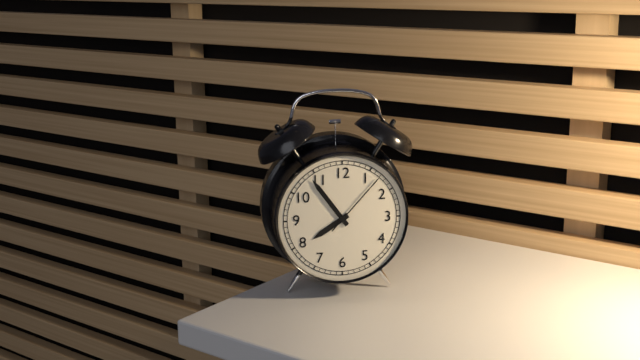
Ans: 7:54:07
